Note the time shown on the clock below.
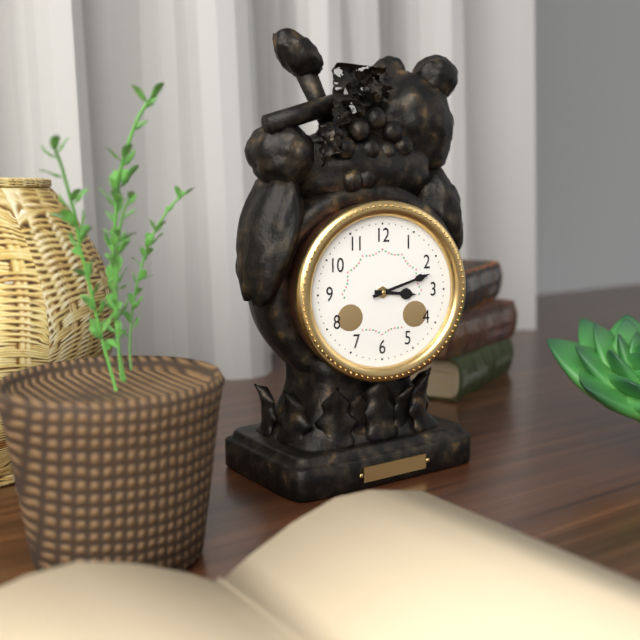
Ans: 3:12
